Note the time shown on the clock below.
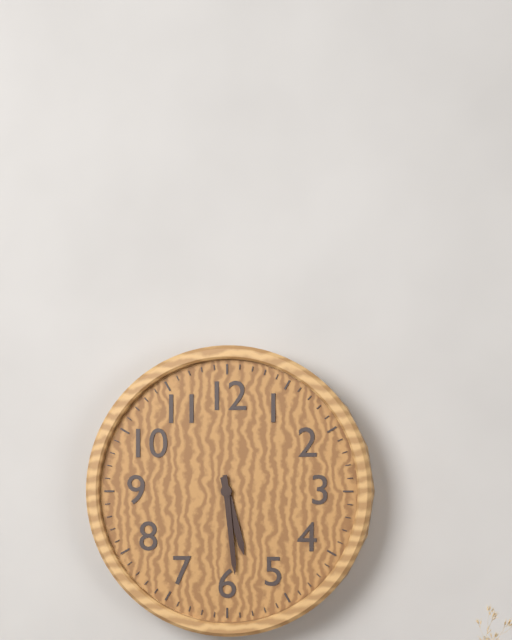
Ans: 5:29
